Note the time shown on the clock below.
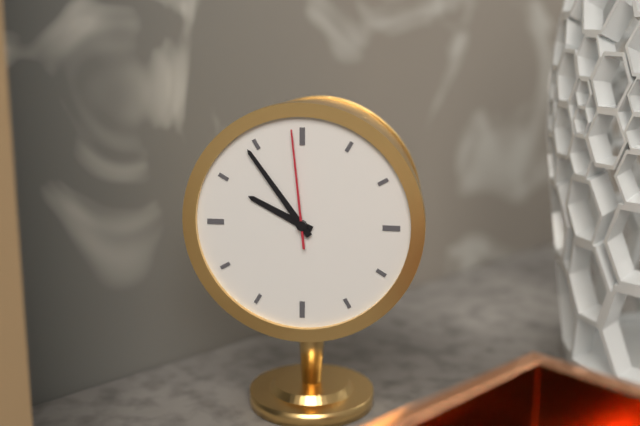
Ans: 9:54:59
